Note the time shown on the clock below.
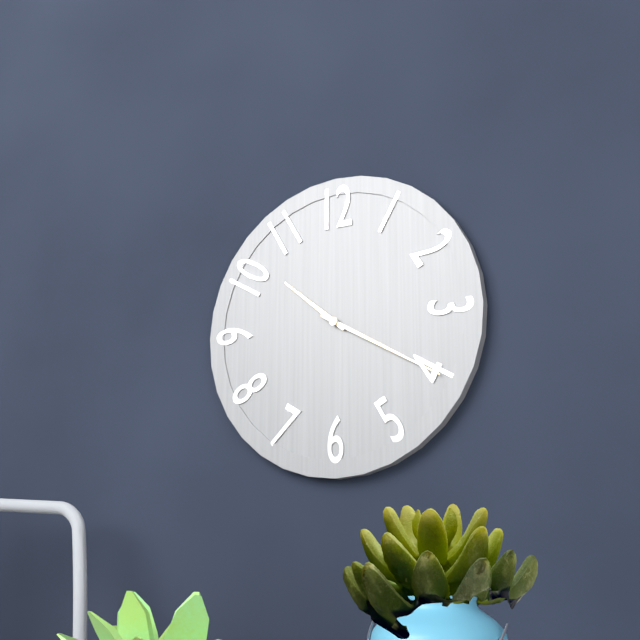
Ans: 10:20
